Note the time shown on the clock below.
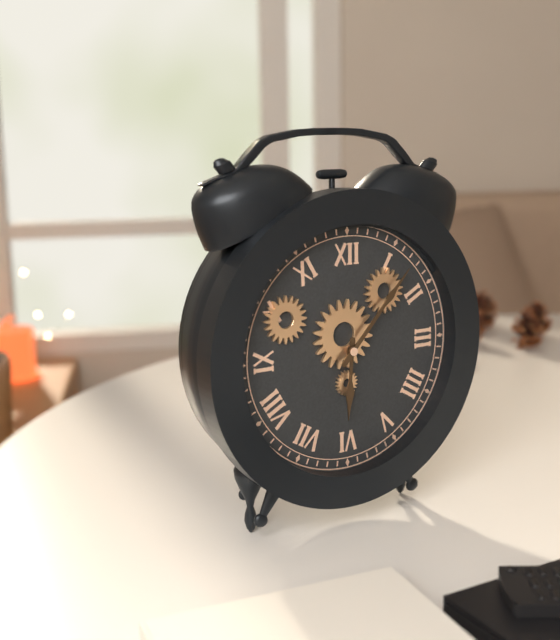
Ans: 6:07
